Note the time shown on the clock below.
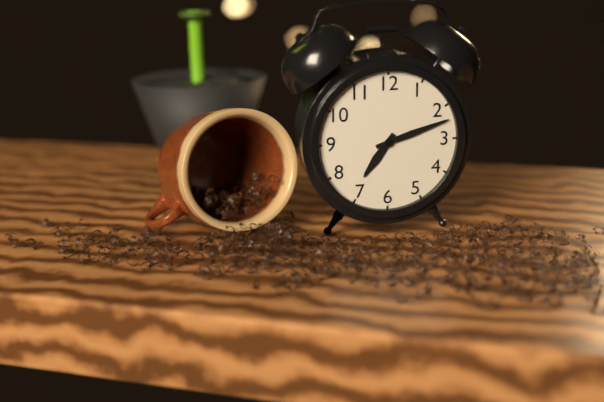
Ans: 7:12
